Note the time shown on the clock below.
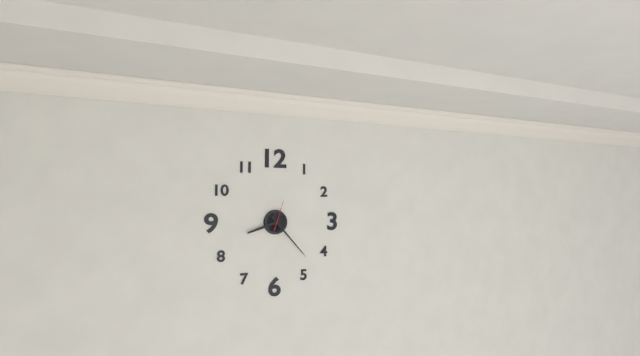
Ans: 8:23
